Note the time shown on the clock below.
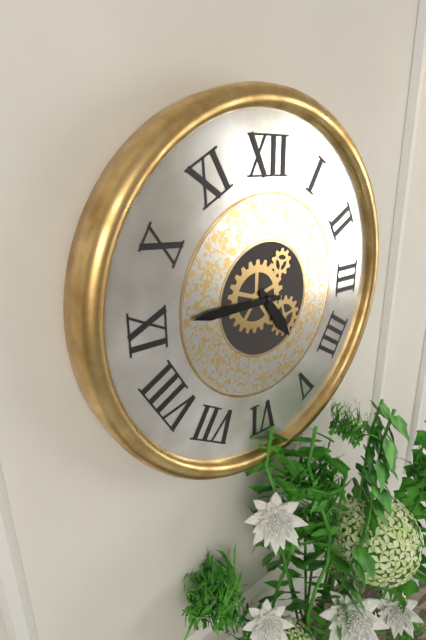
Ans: 4:45
